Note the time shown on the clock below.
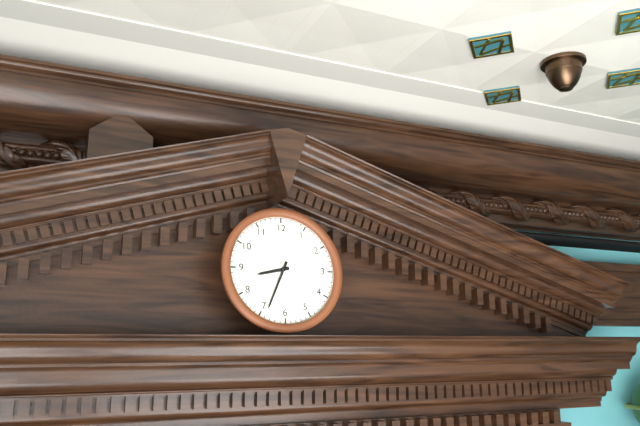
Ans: 8:34
